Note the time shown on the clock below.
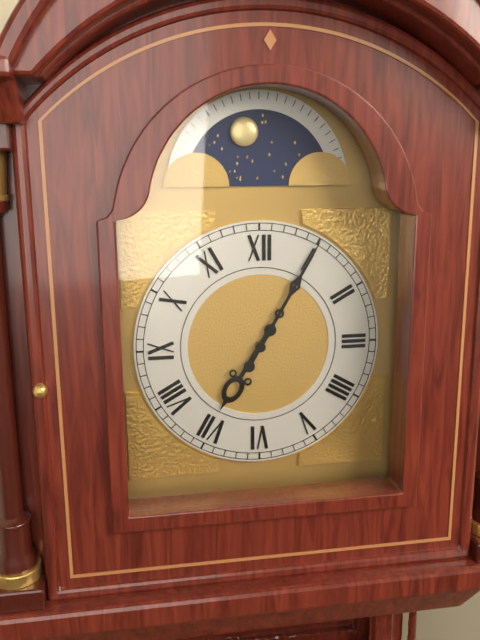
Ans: 7:05
